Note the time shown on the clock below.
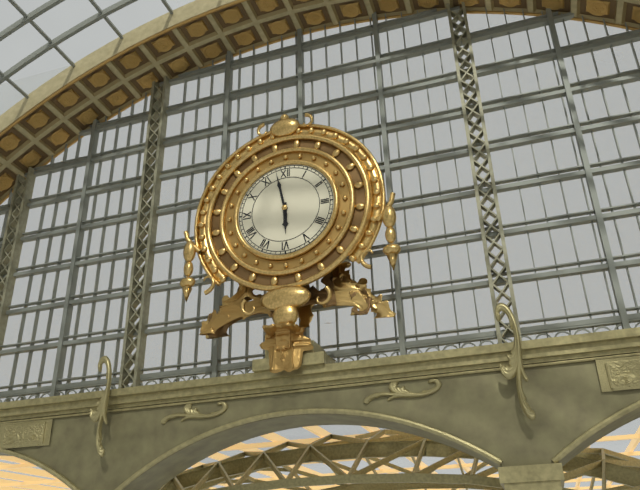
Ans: 5:58
